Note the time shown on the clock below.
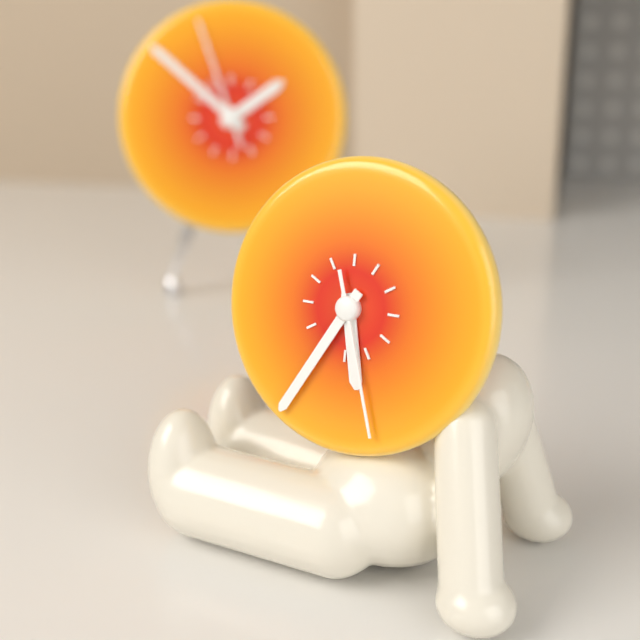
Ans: 5:35:27
